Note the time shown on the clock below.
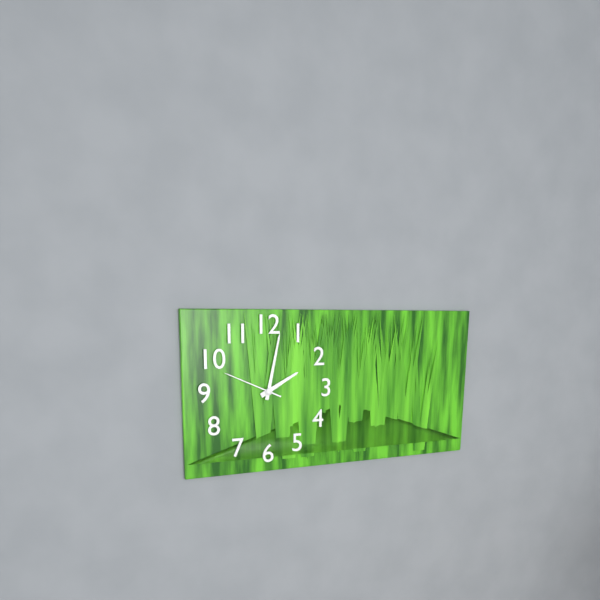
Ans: 2:02:49
